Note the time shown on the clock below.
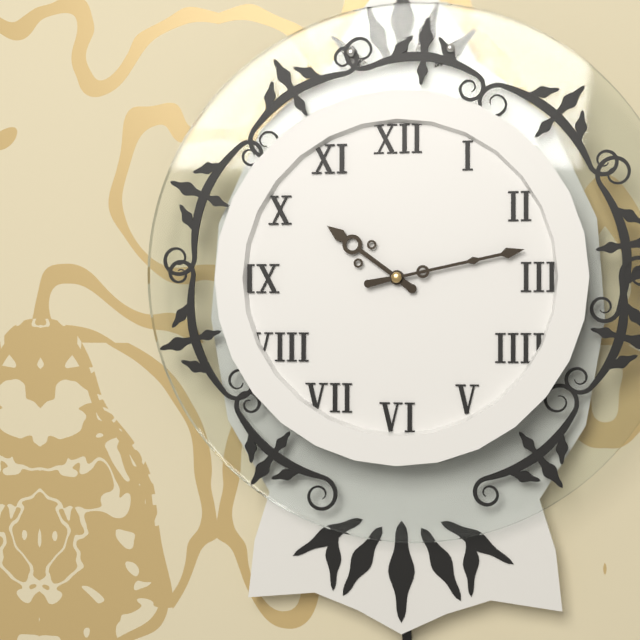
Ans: 10:13
